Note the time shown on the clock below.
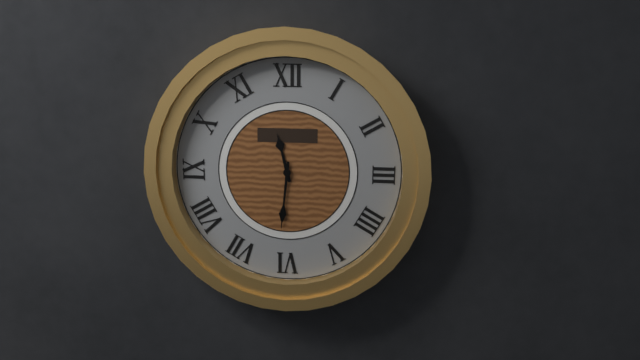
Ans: 11:31
